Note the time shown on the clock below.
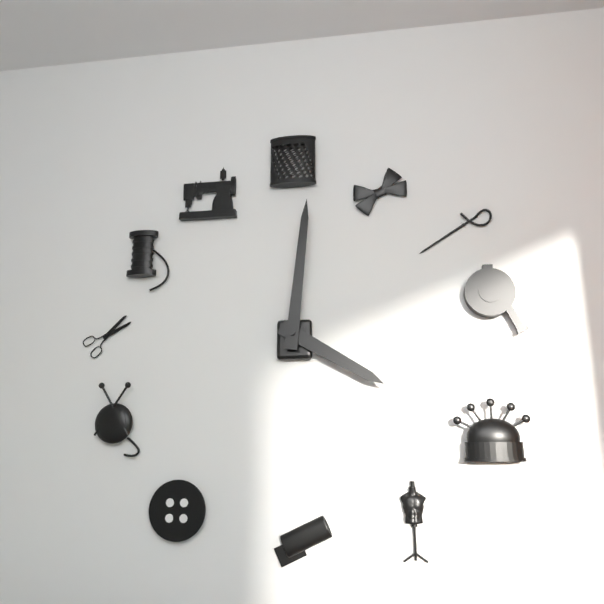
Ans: 4:01
